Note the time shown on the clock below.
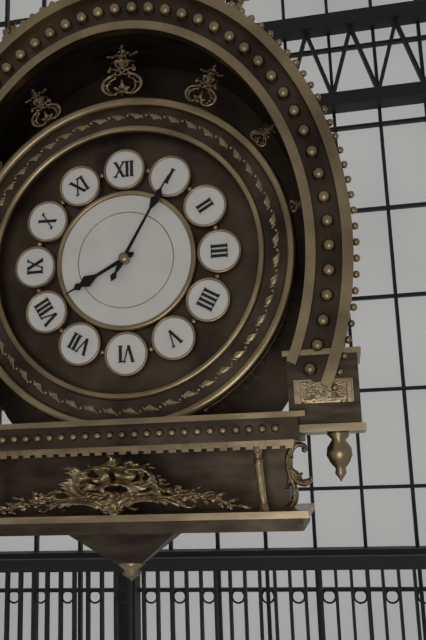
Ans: 8:05
